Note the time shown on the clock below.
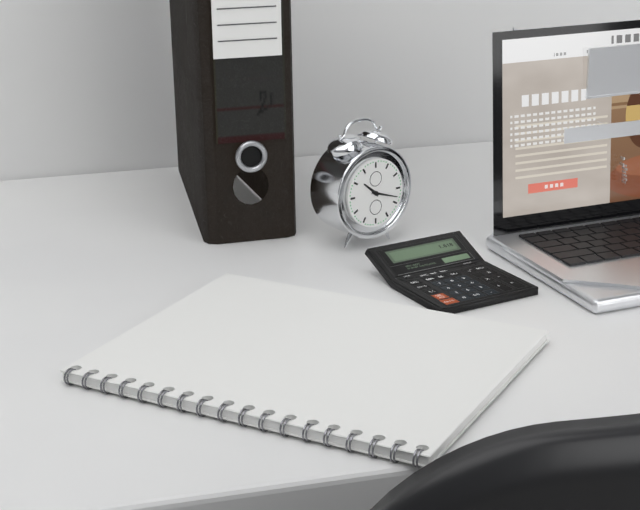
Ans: 10:18
